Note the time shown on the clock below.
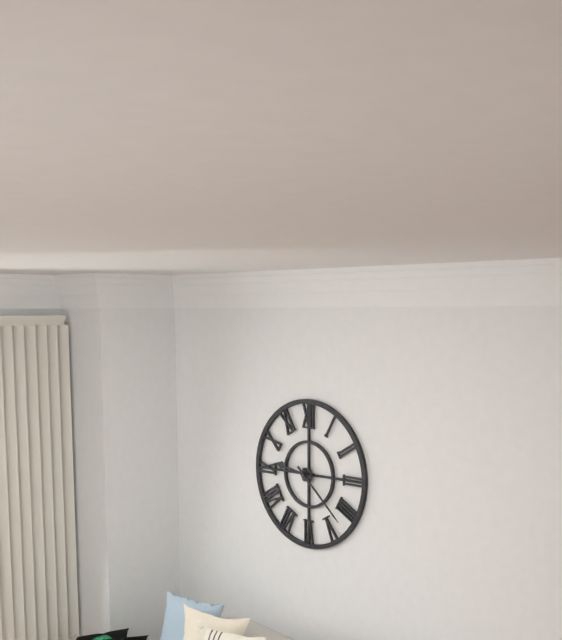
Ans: 9:22
